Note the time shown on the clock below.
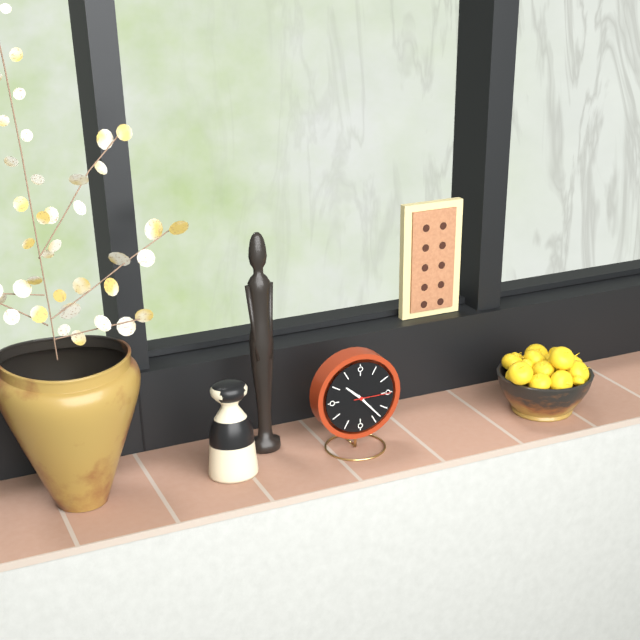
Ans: 10:23
